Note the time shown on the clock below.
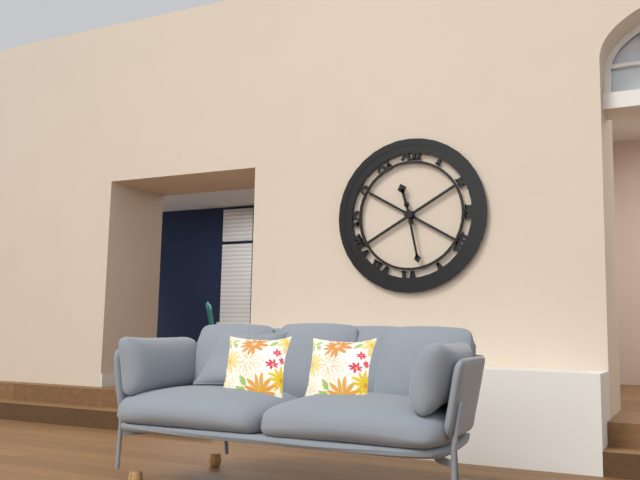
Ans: 11:28
